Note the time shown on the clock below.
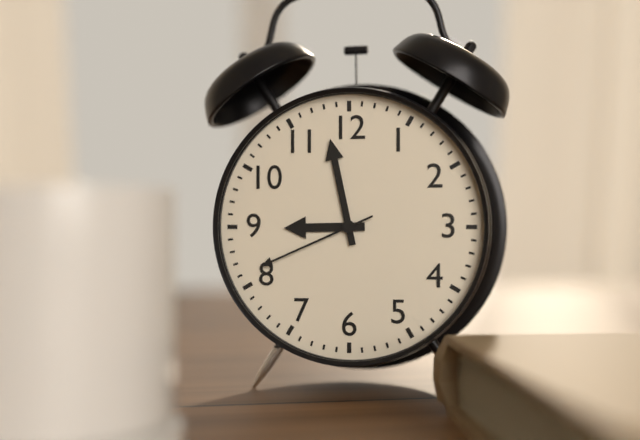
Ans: 8:58:41
